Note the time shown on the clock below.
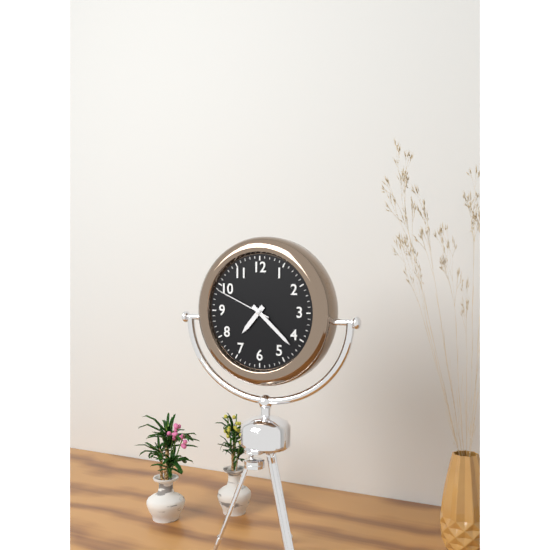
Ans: 7:22:49
